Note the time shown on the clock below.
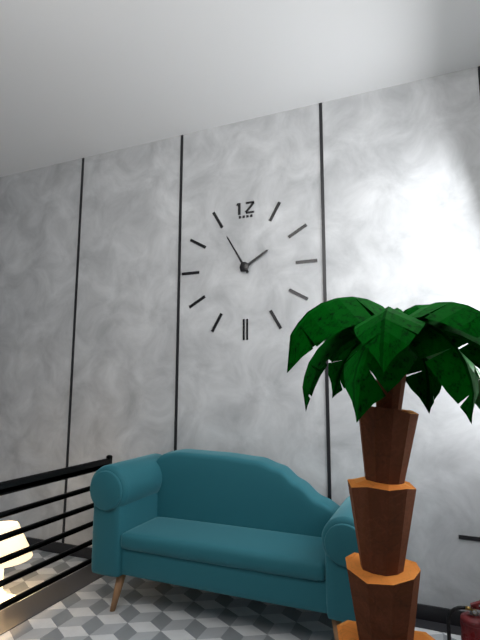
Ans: 1:55
